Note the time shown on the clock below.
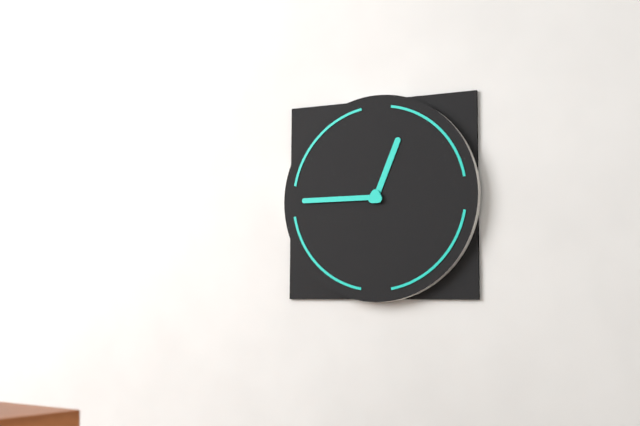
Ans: 12:45
